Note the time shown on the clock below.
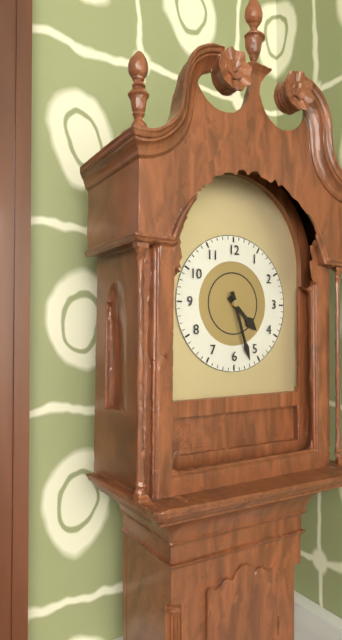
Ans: 4:27
